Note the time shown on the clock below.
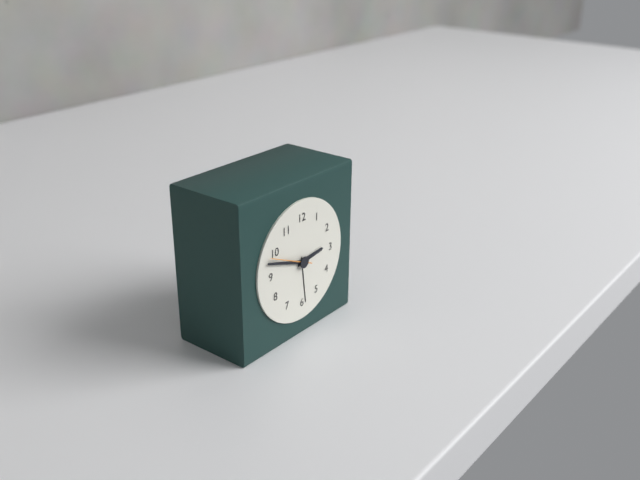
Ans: 2:48
